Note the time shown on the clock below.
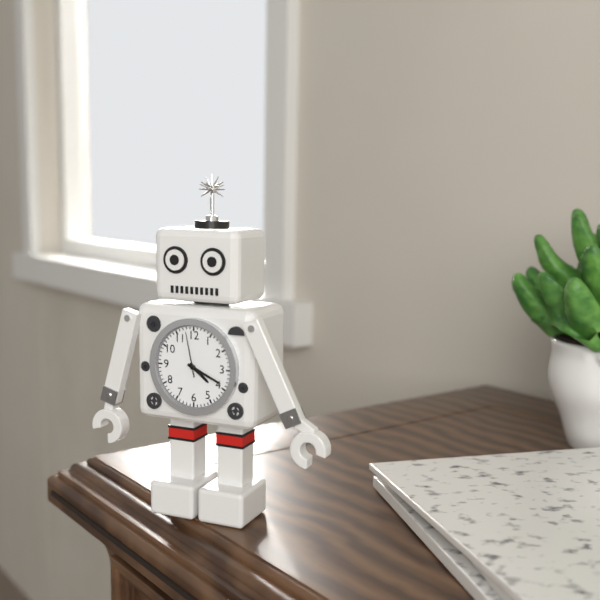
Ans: 4:19:58
